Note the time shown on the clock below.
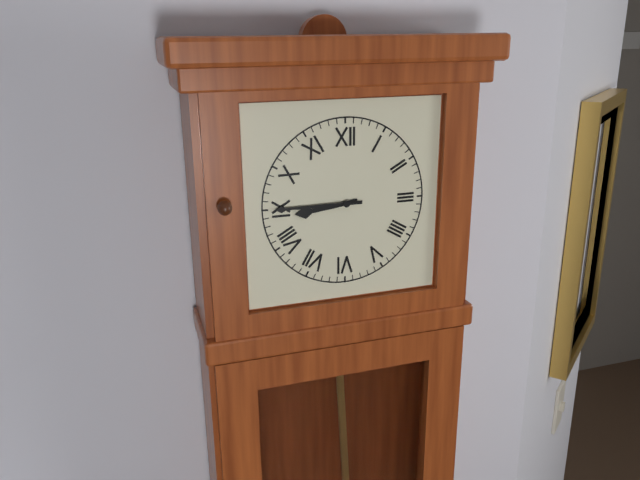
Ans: 8:45
